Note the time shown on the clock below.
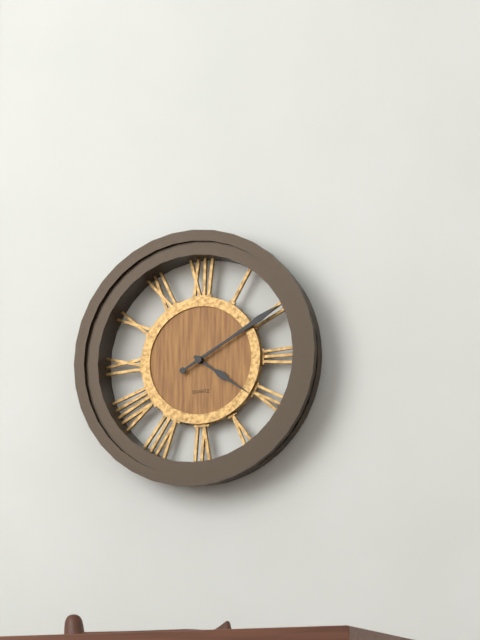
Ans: 4:10
